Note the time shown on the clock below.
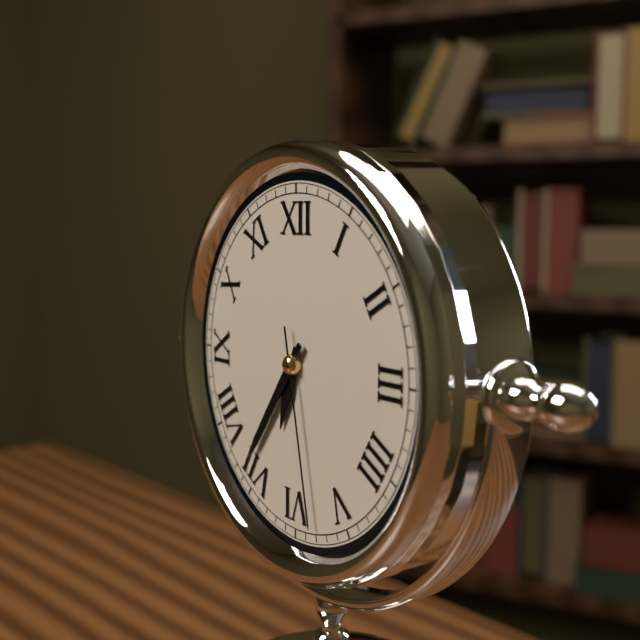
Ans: 6:36:28
